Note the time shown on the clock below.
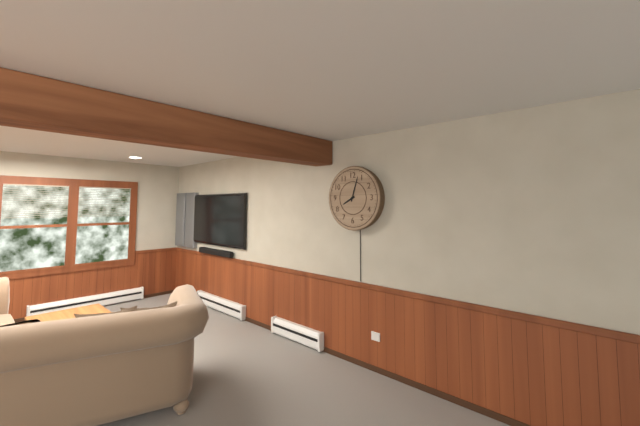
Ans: 8:03
